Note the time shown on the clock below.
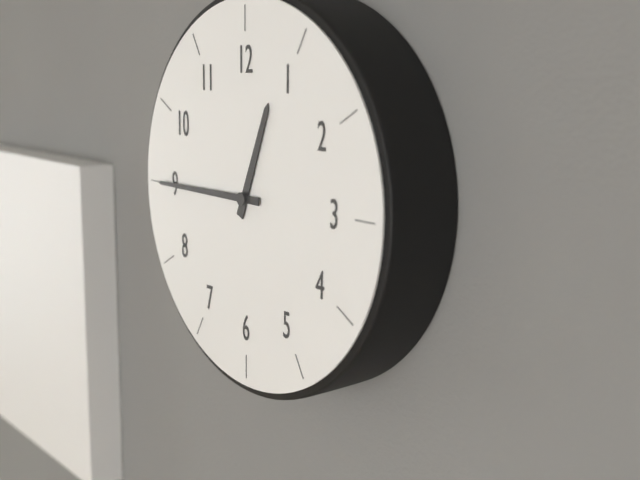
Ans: 12:45
